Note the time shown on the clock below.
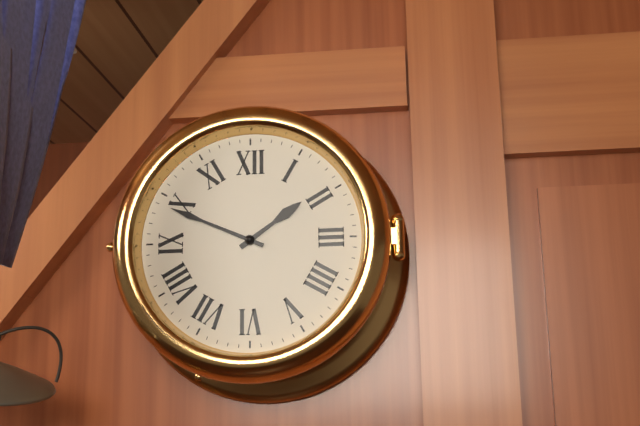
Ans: 1:49
